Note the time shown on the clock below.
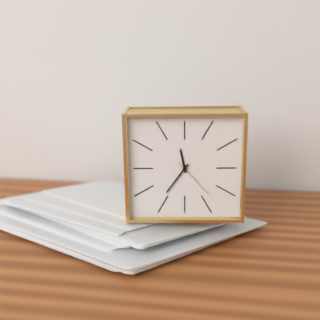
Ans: 11:36
